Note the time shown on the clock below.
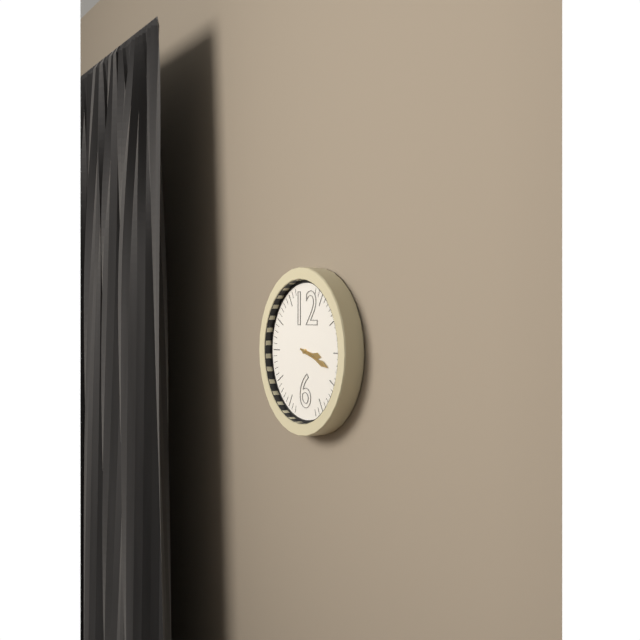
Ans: 3:18
